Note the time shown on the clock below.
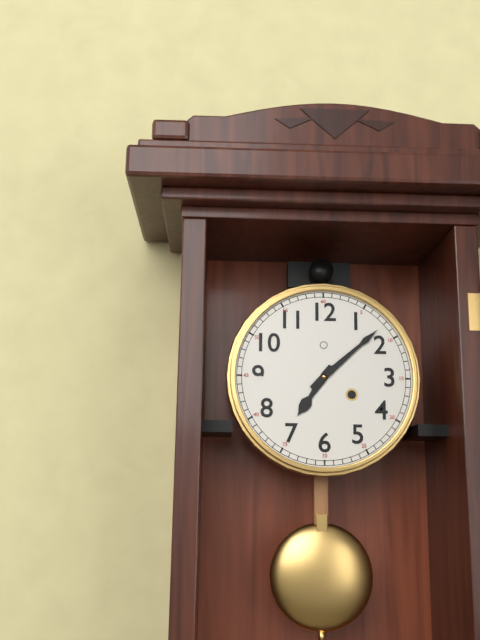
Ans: 7:08
